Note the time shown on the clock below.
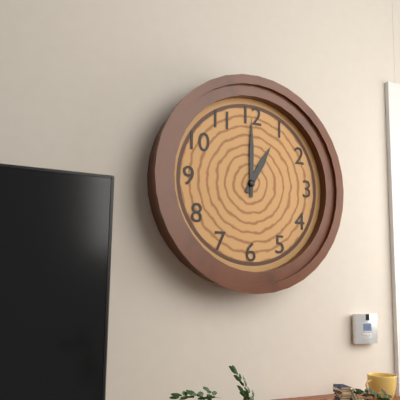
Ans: 1:00
